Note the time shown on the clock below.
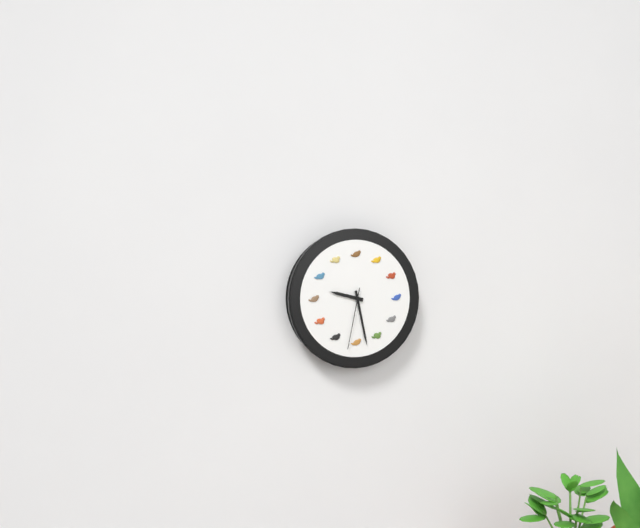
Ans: 9:28:32
